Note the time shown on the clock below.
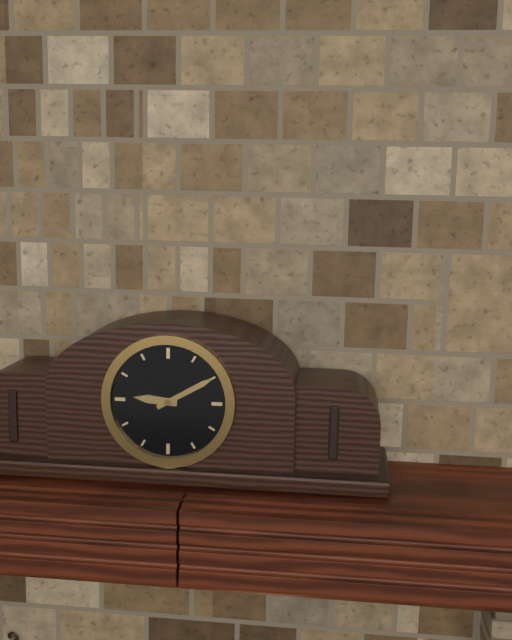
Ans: 9:10
